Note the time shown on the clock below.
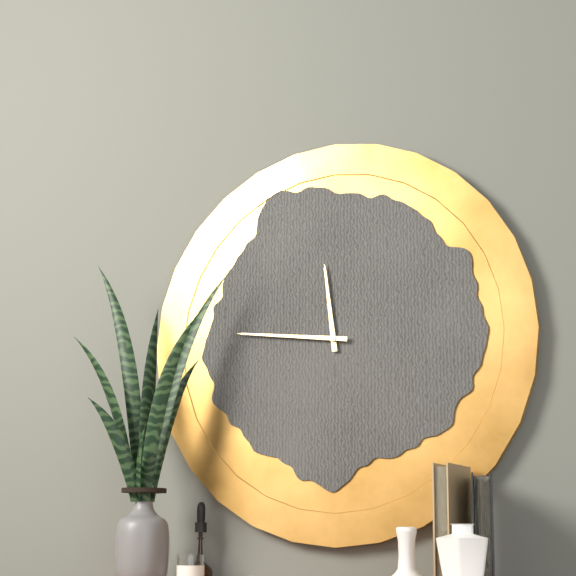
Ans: 11:46
